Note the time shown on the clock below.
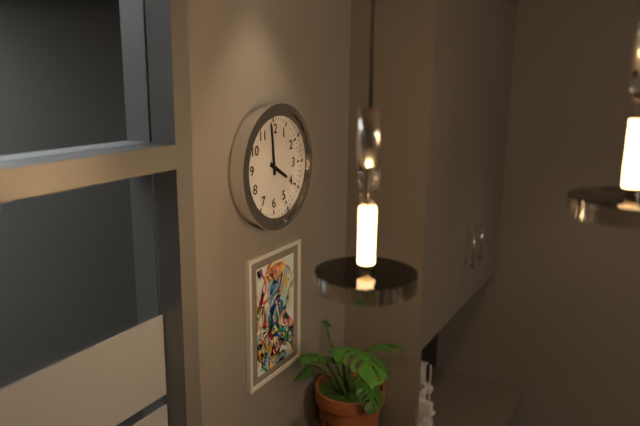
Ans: 3:59
